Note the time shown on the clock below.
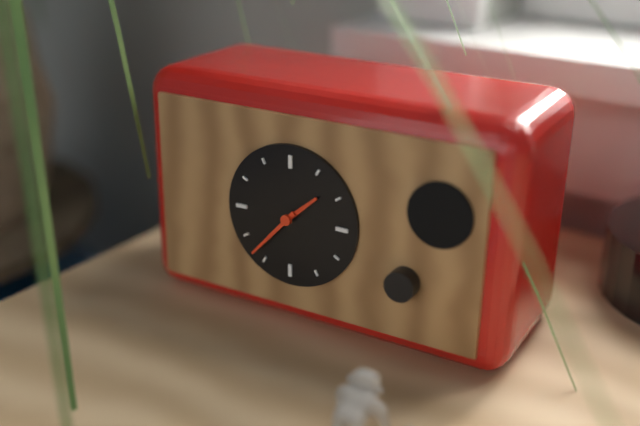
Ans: 1:37
